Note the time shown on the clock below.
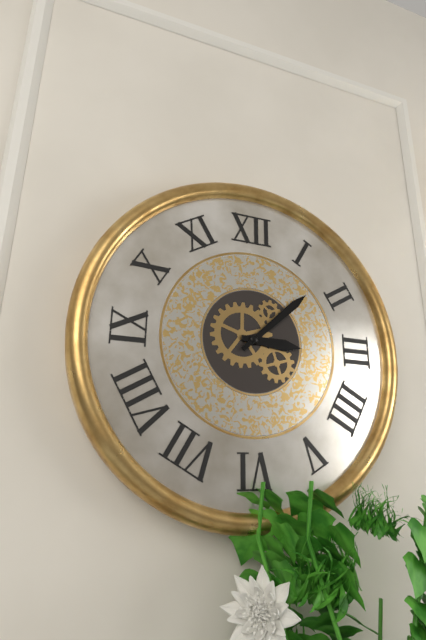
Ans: 3:08
